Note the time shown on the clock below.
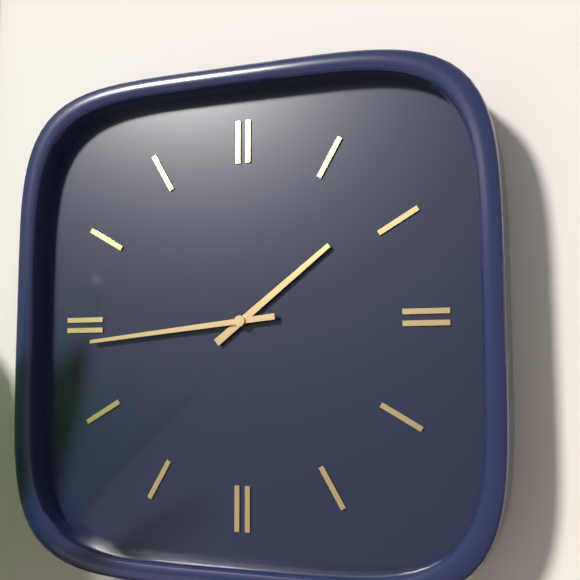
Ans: 1:44
